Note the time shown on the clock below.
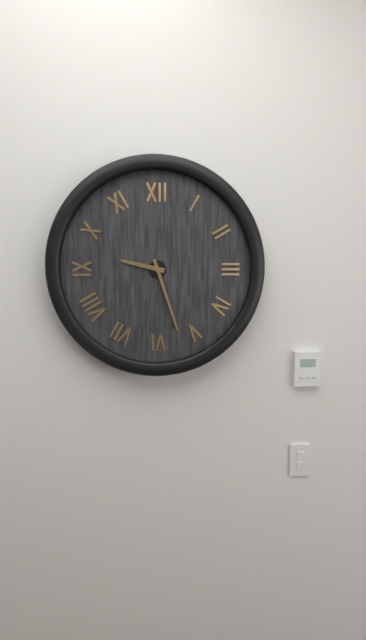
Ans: 9:27
